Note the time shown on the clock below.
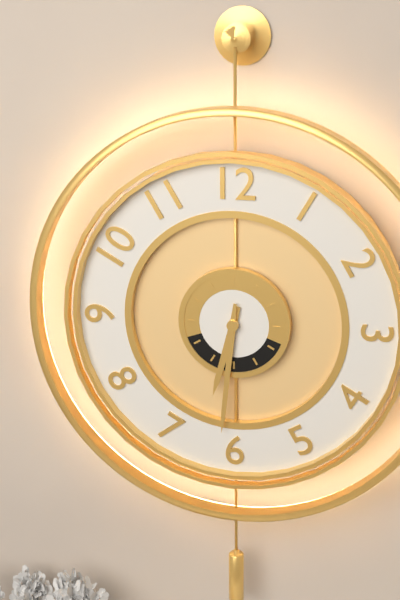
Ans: 6:31
